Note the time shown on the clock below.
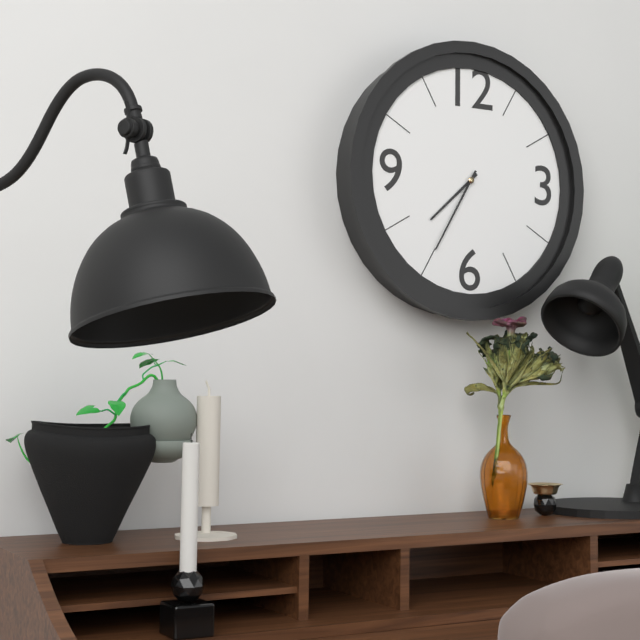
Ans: 7:35
